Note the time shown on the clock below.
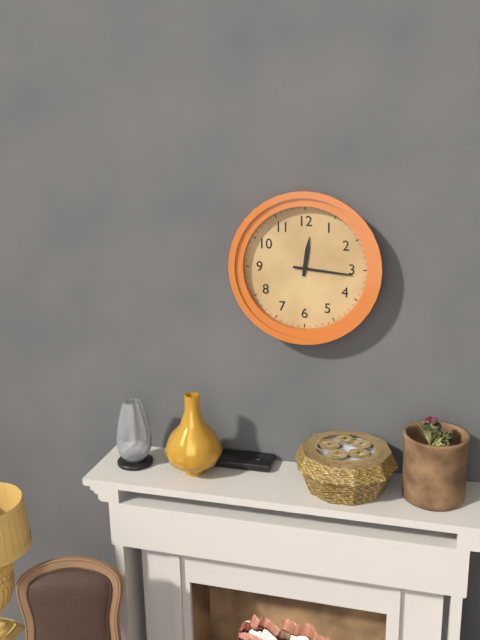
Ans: 12:16
